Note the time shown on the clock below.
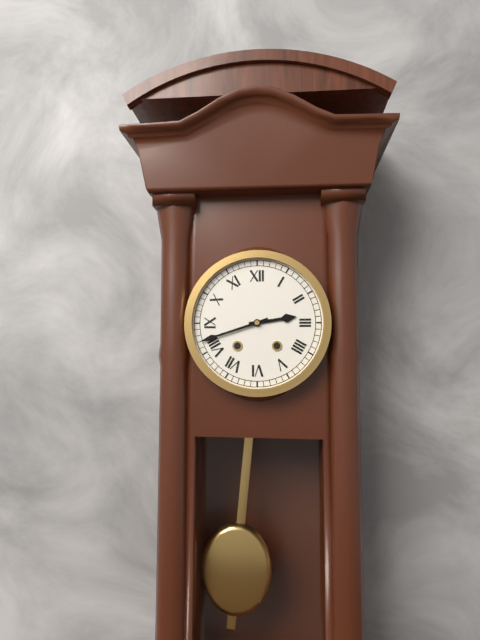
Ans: 2:42
